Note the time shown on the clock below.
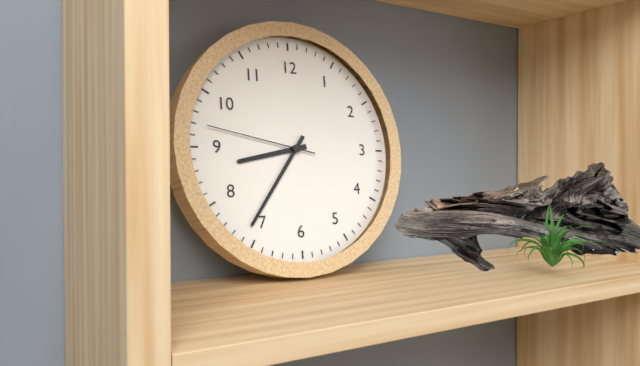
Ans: 8:36:47
